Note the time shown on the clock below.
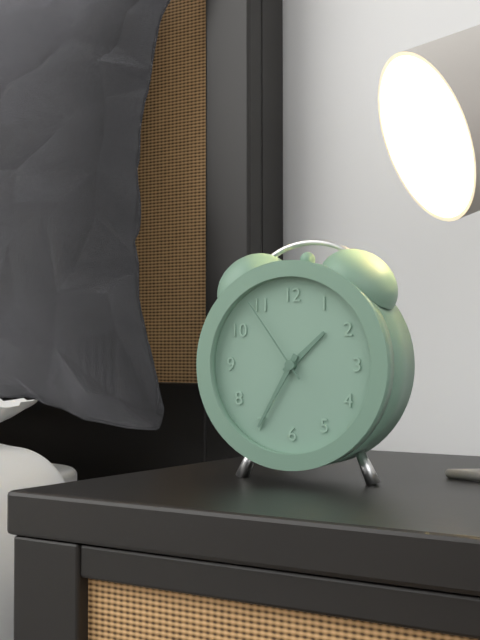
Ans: 1:35:54
